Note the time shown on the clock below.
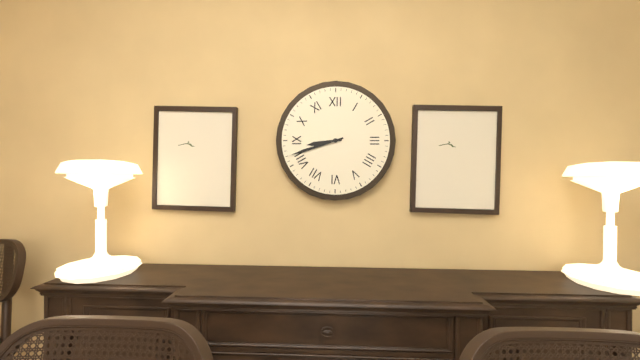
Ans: 8:42
